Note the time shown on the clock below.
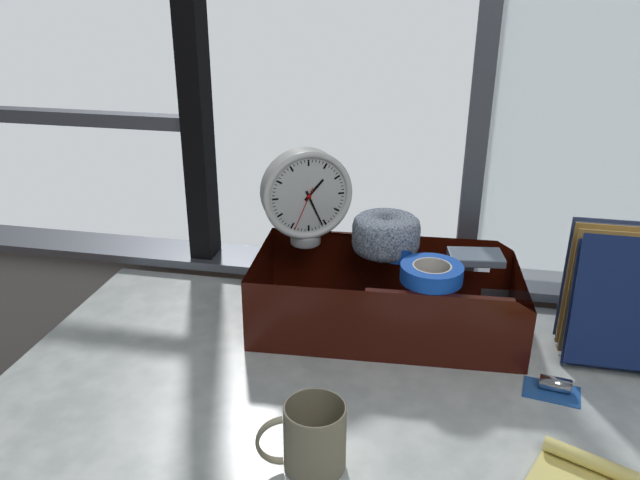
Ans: 1:26
